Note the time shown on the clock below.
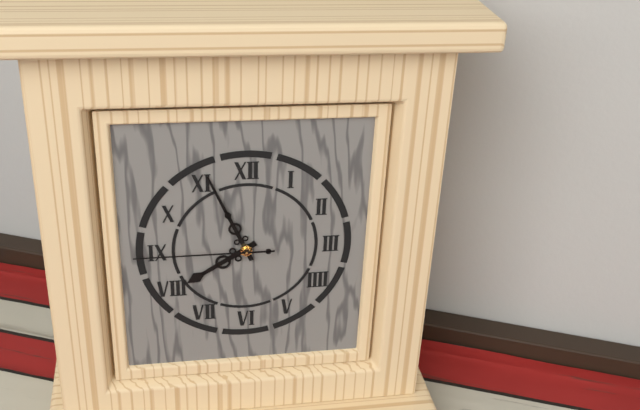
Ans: 7:56:45
